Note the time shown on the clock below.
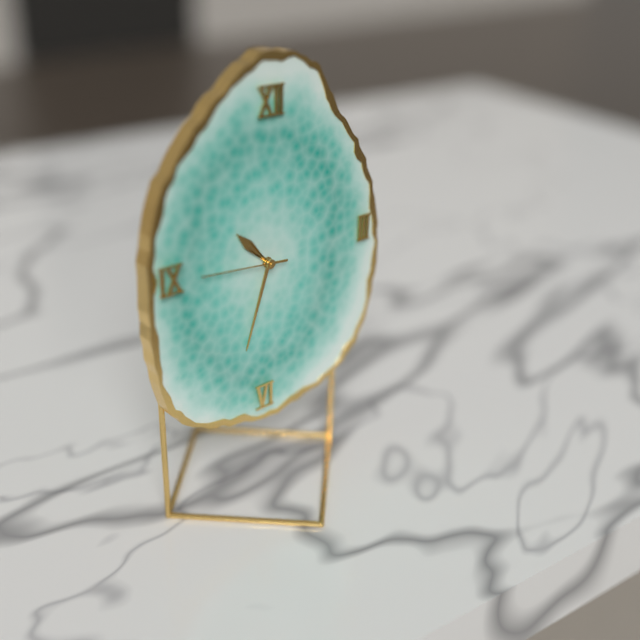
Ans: 10:33:46
